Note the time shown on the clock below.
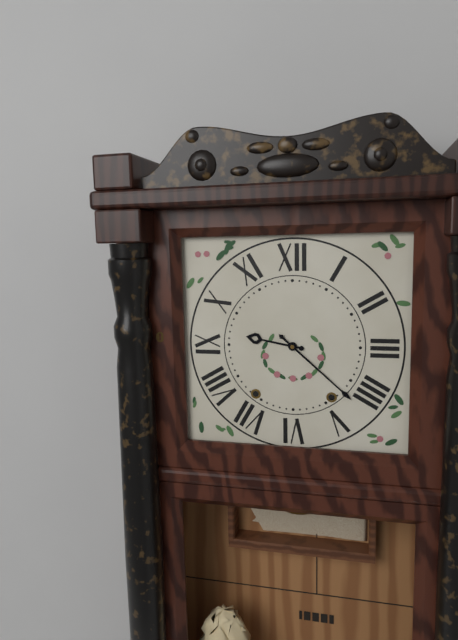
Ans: 9:22
